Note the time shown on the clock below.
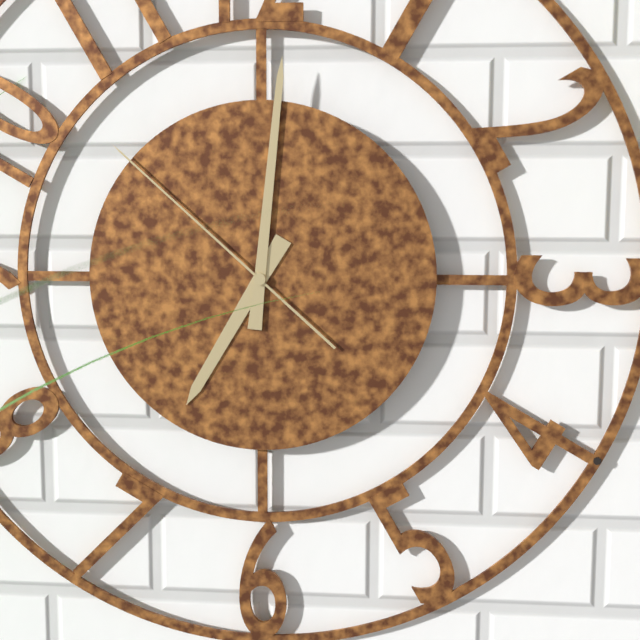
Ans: 7:01:52
